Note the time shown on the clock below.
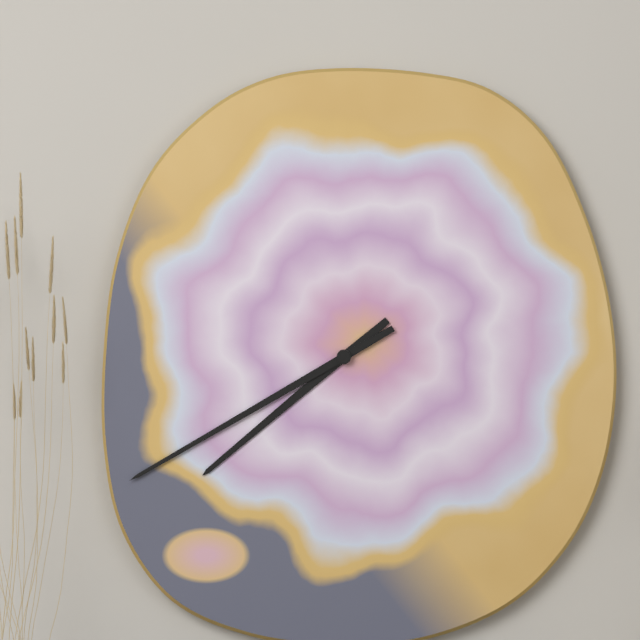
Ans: 7:40
